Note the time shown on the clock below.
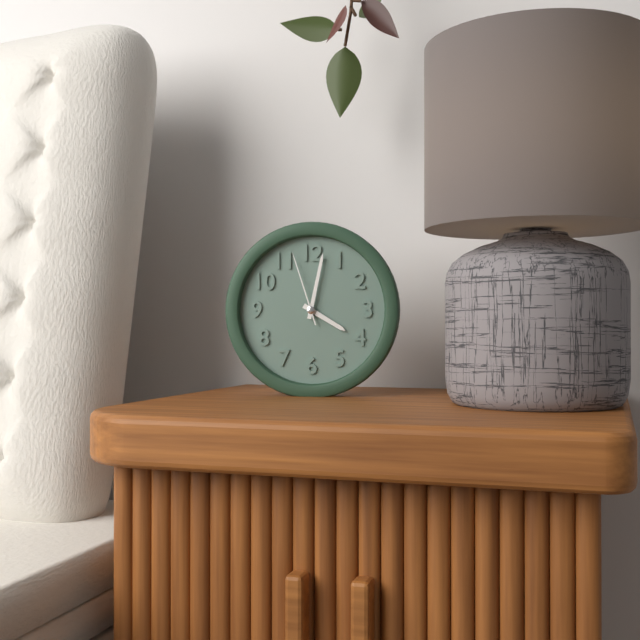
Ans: 4:02:57
